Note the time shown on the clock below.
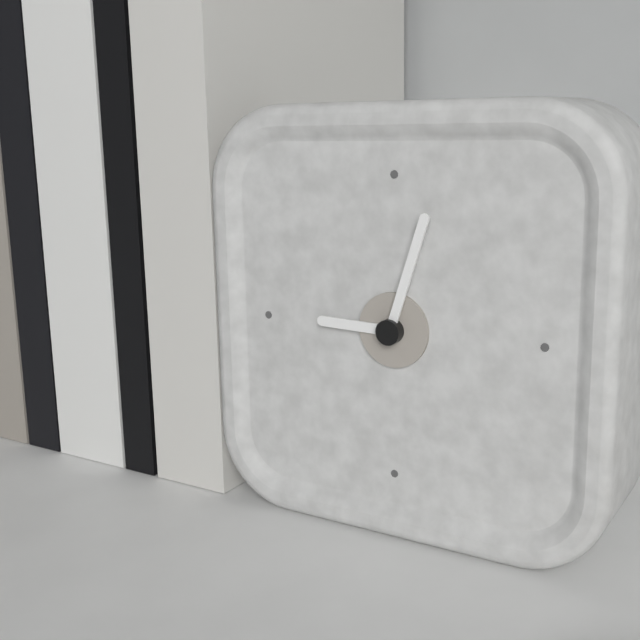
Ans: 9:03
